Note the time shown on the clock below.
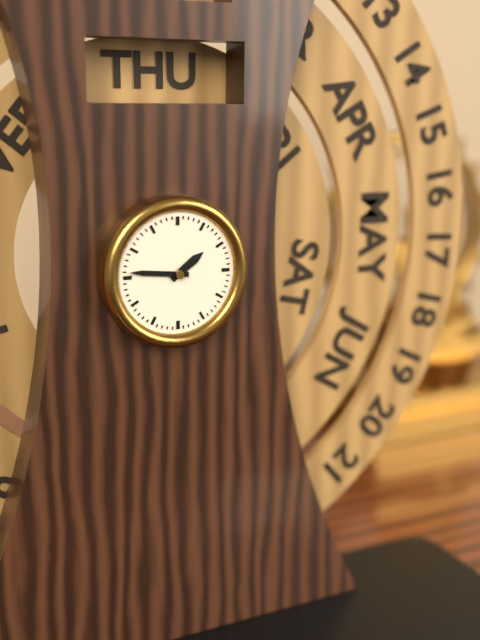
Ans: 1:46
